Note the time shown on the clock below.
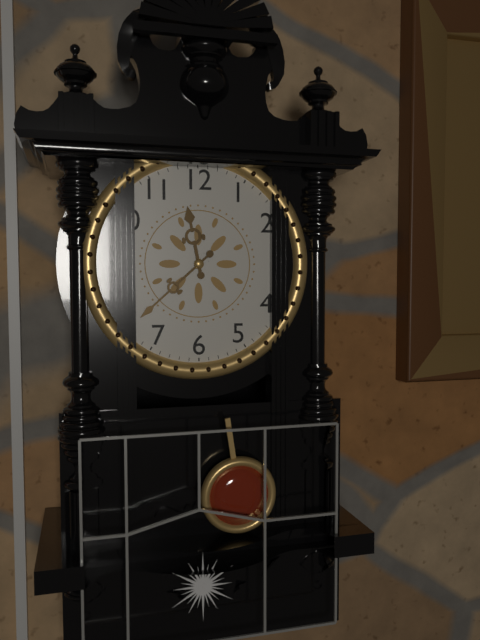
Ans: 11:38
